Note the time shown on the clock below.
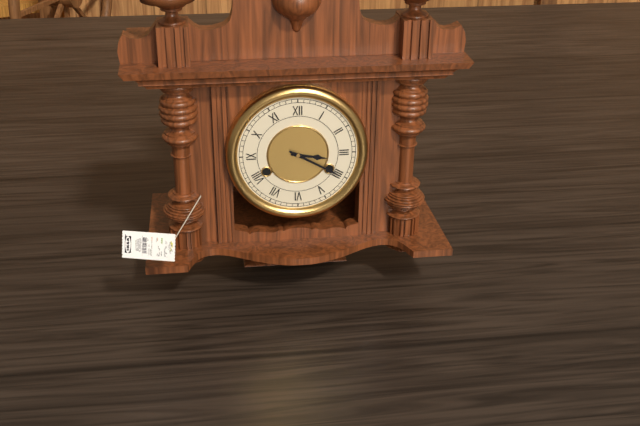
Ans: 3:20
